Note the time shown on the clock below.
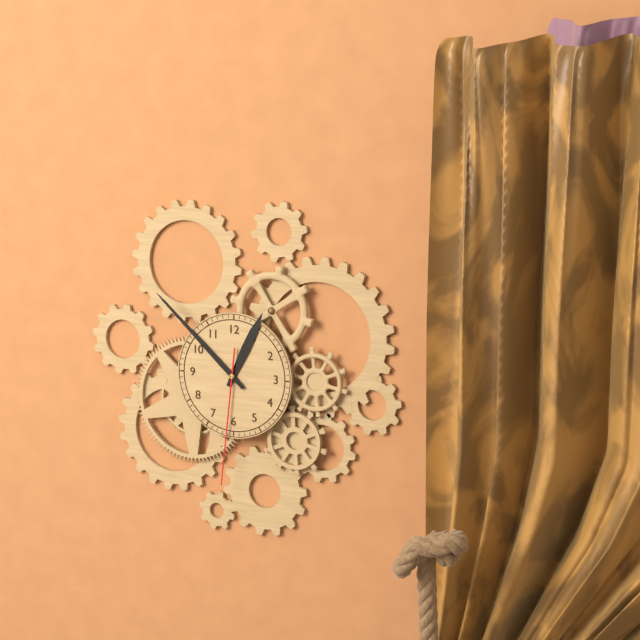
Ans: 12:52:31
